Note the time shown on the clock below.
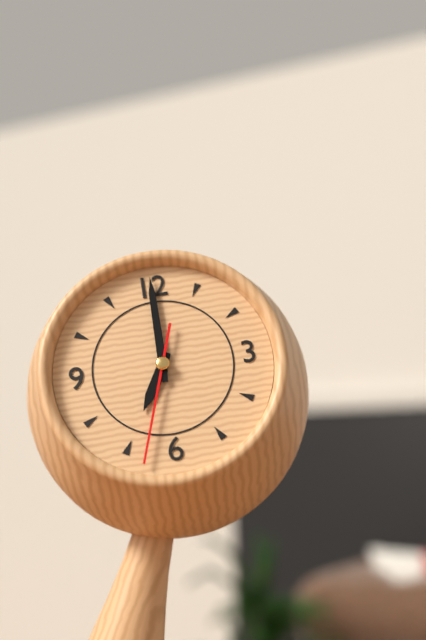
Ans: 7:00:33
